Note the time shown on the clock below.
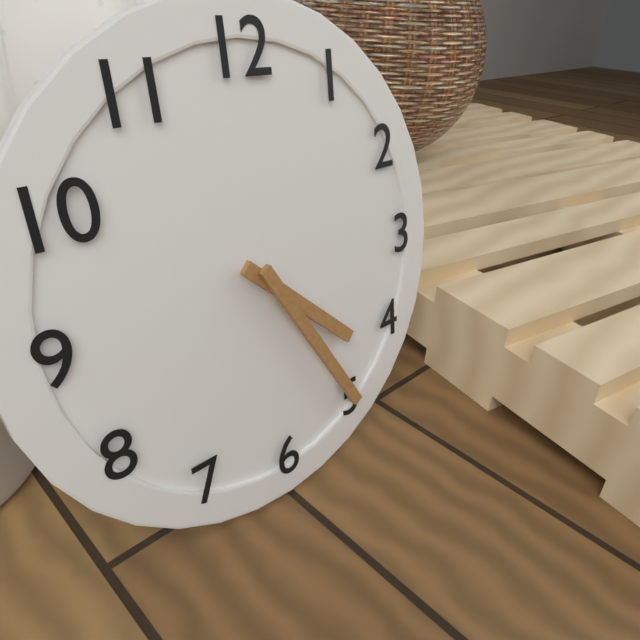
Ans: 4:25
